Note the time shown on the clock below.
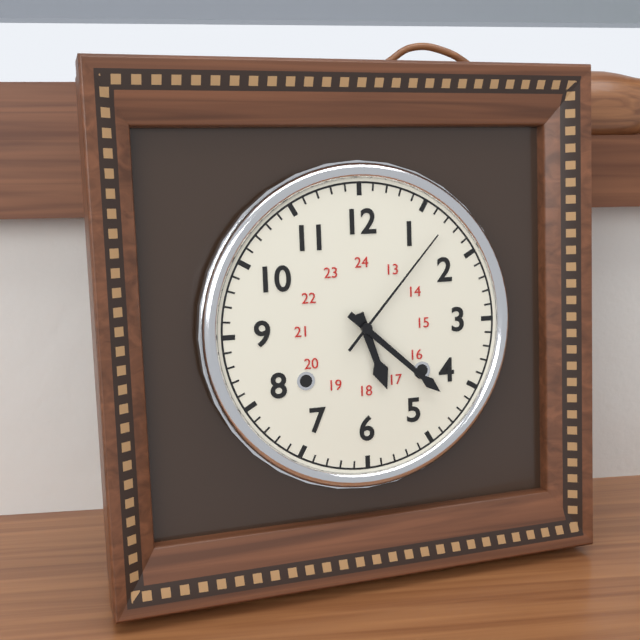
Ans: 5:22:07
